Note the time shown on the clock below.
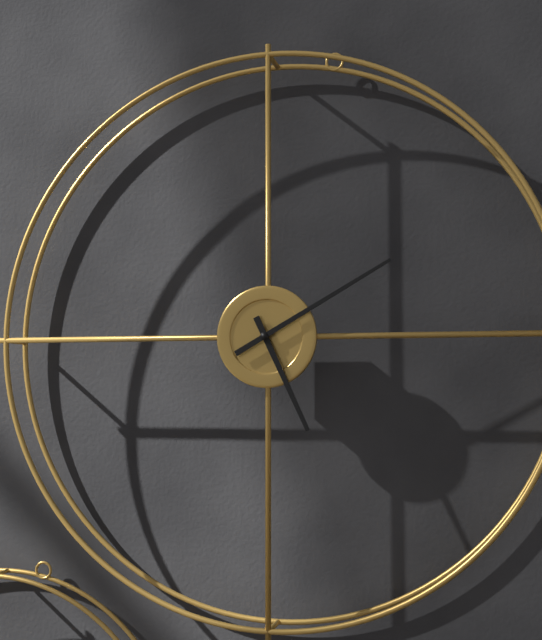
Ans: 5:10
